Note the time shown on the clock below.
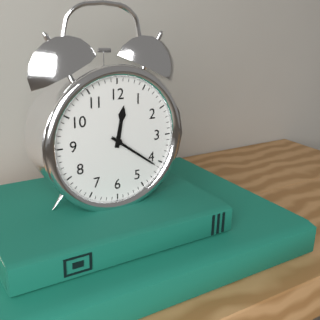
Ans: 12:21
